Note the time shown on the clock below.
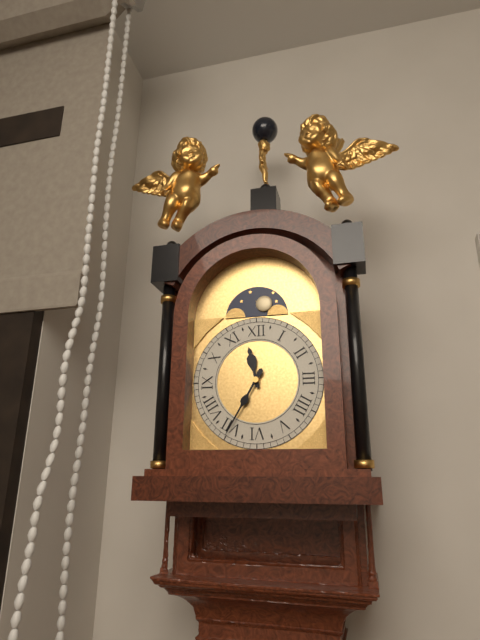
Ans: 11:35
